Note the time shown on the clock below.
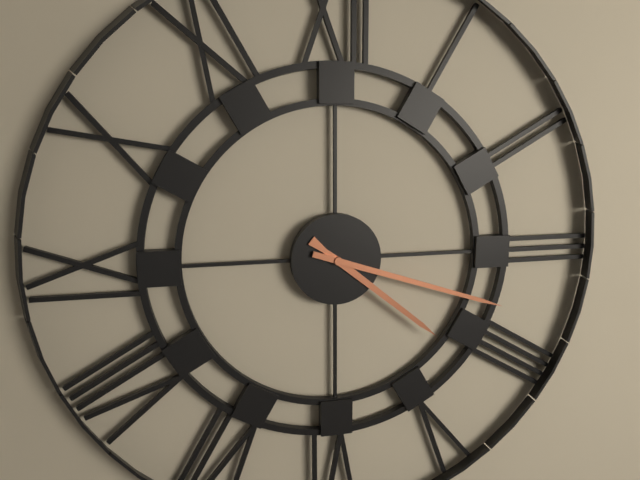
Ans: 4:18
